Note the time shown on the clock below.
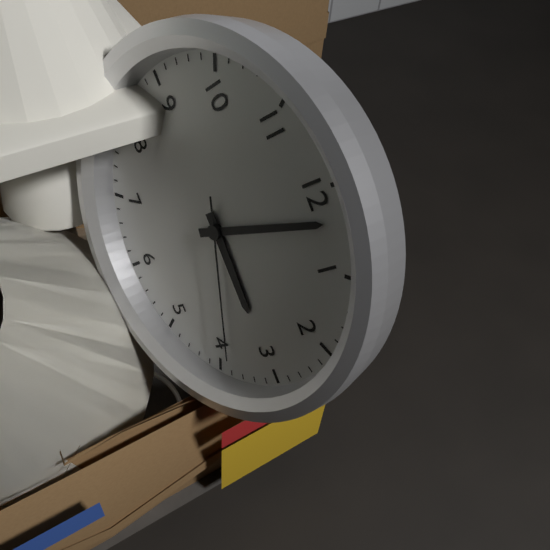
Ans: 3:02:19
